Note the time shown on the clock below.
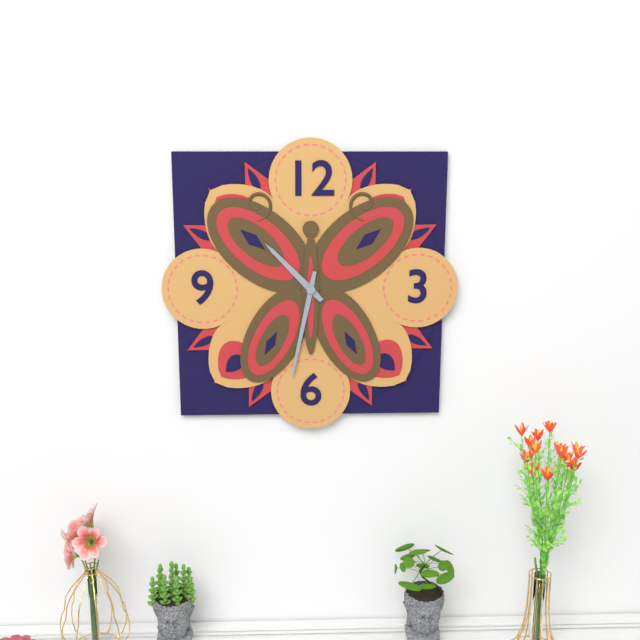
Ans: 10:32
